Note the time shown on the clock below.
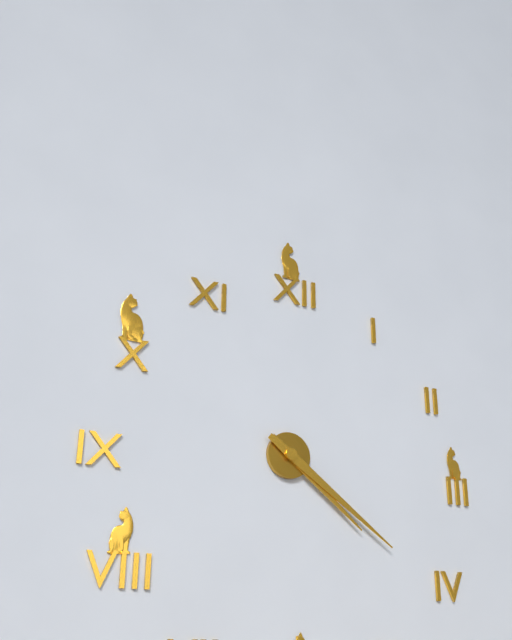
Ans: 4:21
